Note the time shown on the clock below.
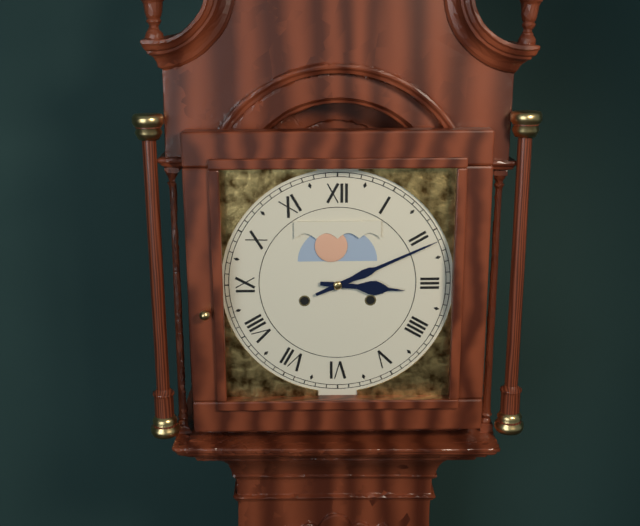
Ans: 3:11
